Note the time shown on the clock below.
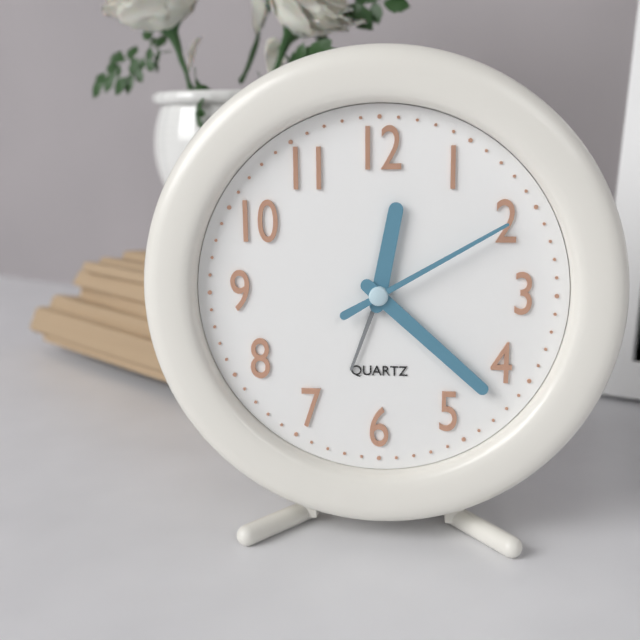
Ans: 12:22:10
